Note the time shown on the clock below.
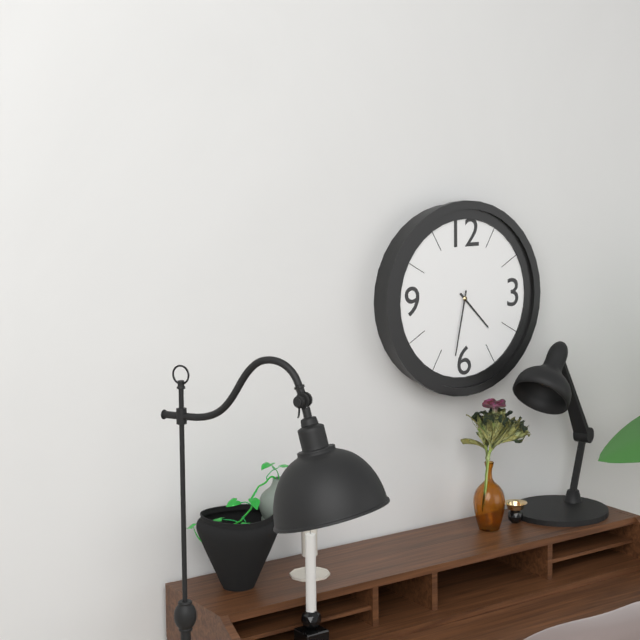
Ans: 4:32
